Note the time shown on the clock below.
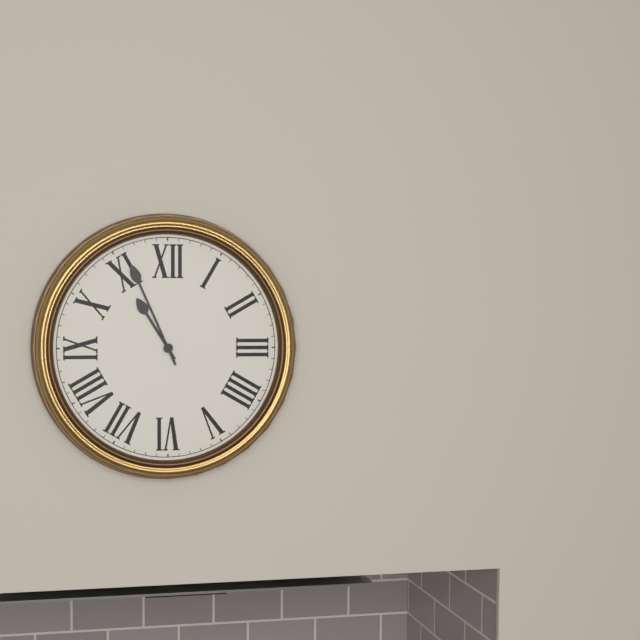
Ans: 10:56
